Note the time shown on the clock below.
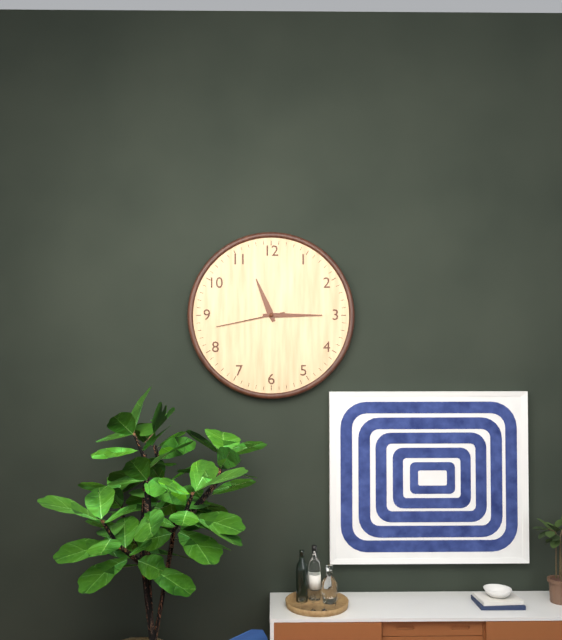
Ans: 11:15:43
